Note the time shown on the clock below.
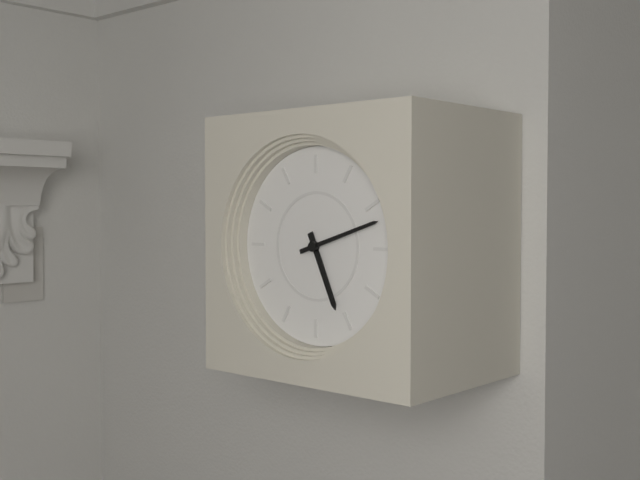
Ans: 5:12
